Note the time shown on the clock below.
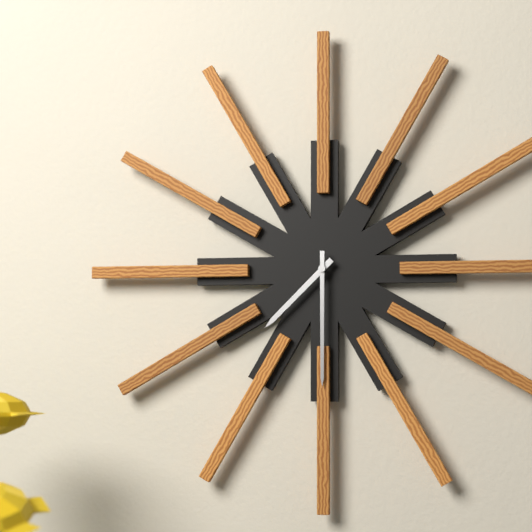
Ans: 7:30
